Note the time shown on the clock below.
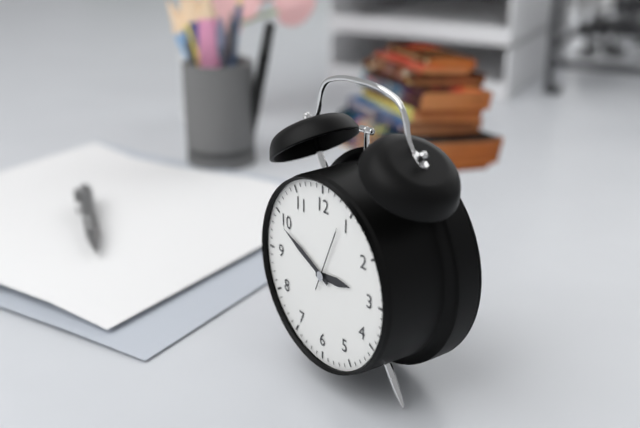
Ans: 2:49:04
